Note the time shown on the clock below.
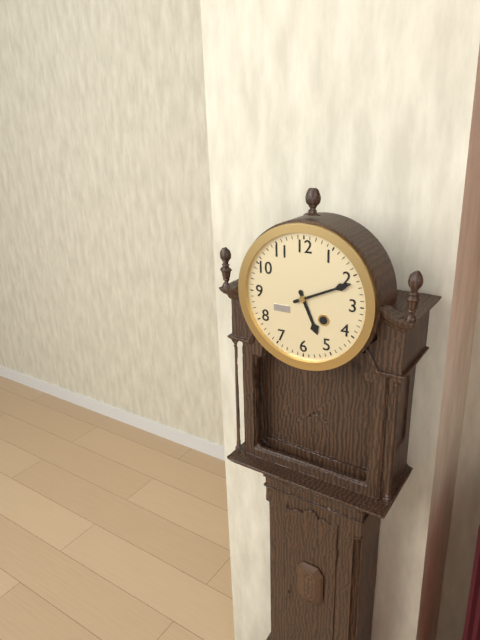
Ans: 5:11
